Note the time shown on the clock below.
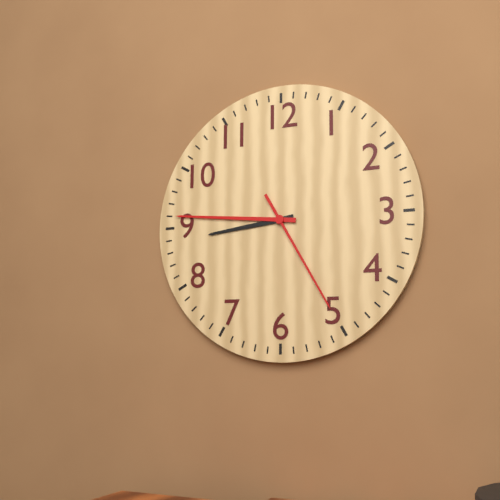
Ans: 8:46:25
